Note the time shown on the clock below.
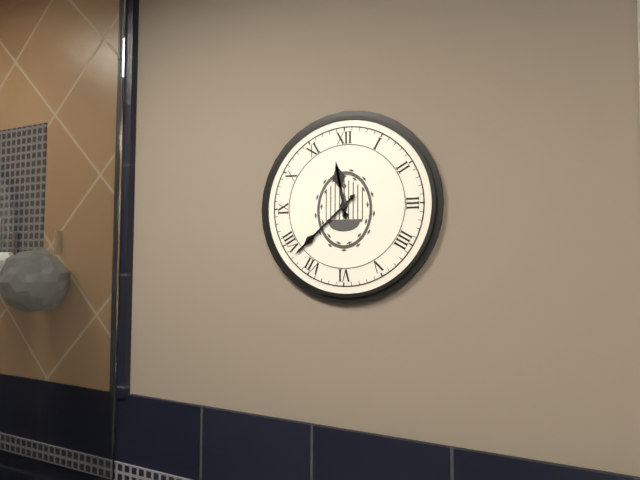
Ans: 11:38
